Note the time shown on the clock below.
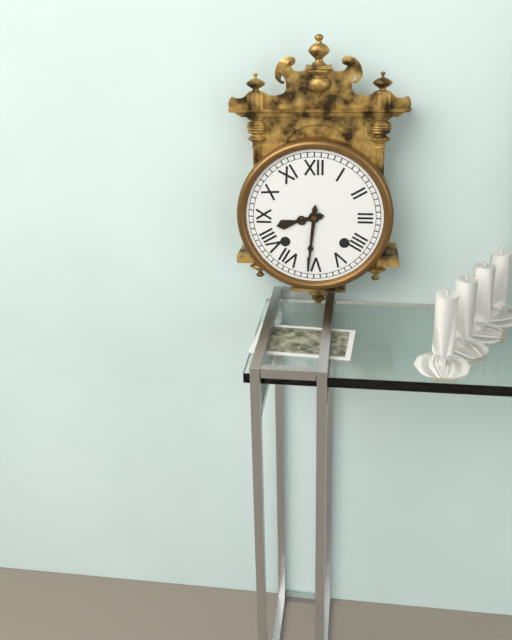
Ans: 8:31
